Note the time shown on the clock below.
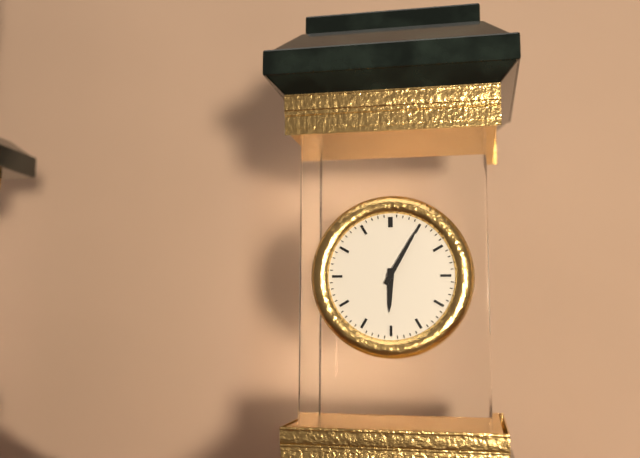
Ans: 6:05
